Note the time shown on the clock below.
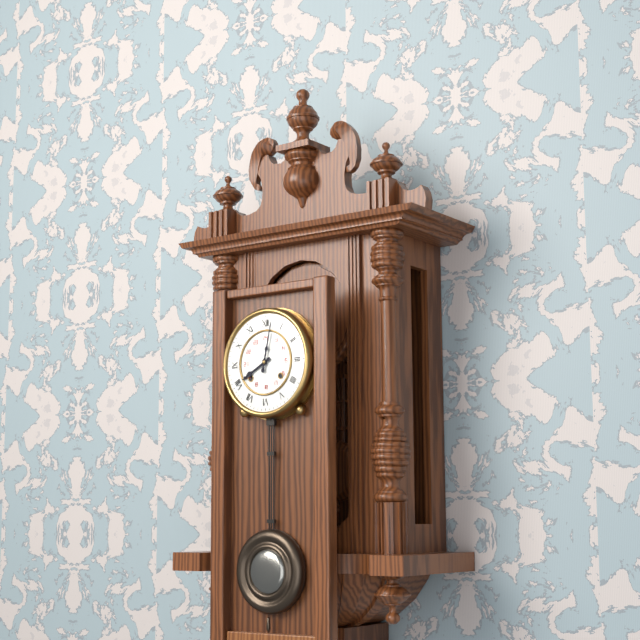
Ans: 8:02
